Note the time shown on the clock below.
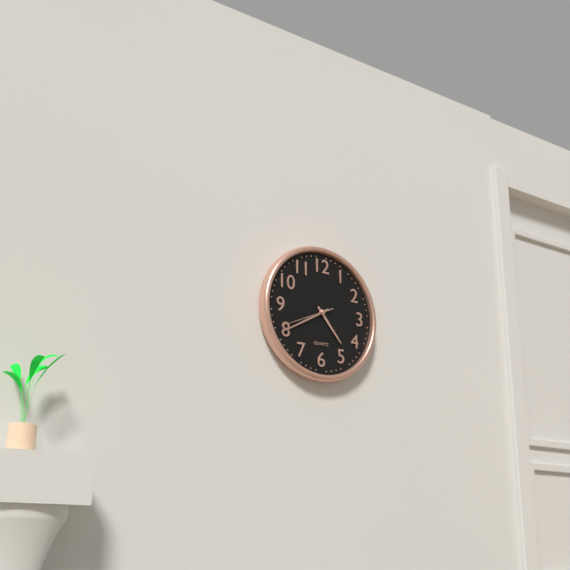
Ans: 4:40:41
